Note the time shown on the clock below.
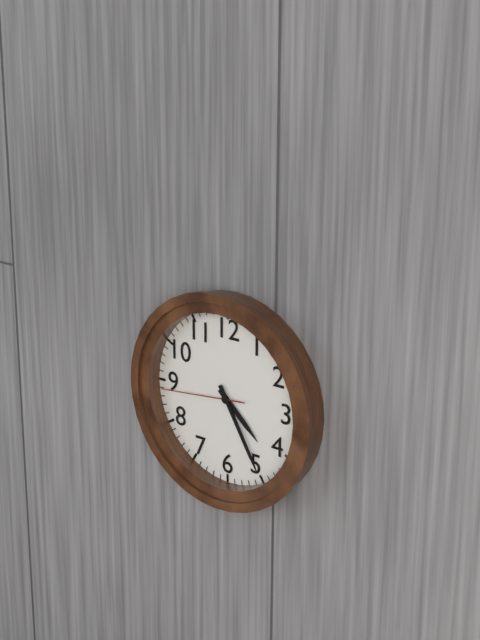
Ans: 4:25:44
